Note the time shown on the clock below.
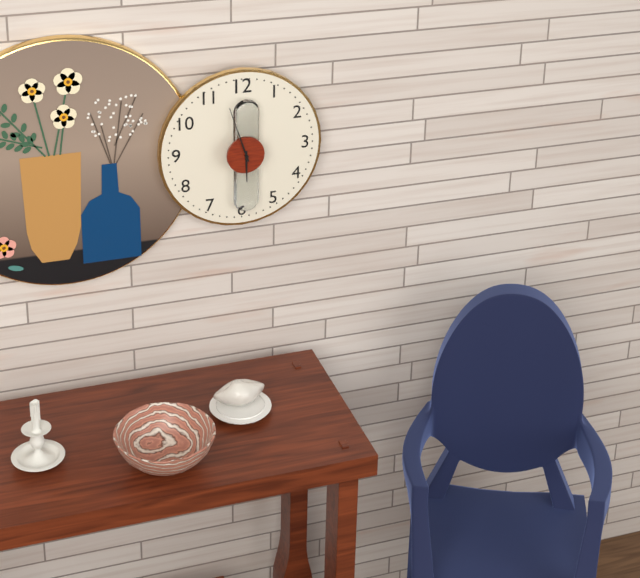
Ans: 5:57
